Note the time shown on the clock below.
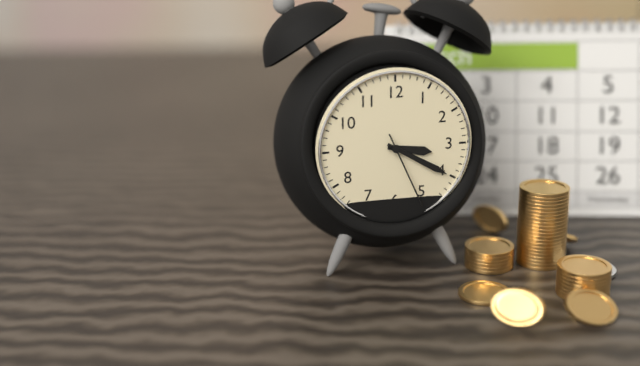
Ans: 3:20:26
